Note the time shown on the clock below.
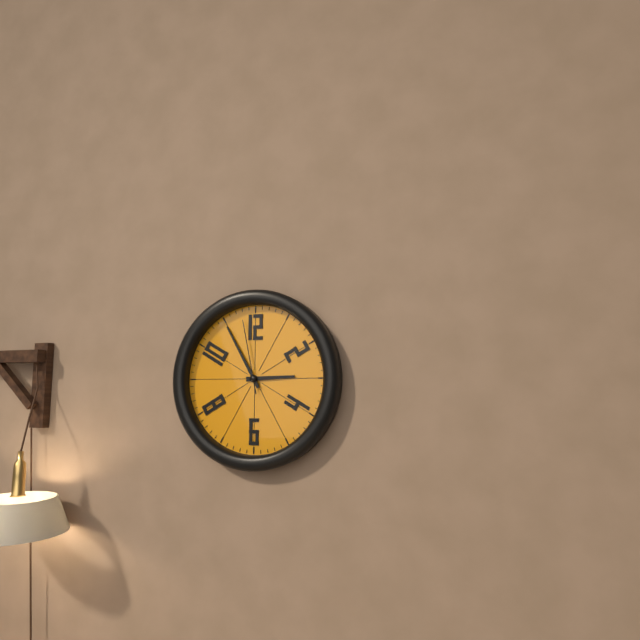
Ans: 2:55:58
